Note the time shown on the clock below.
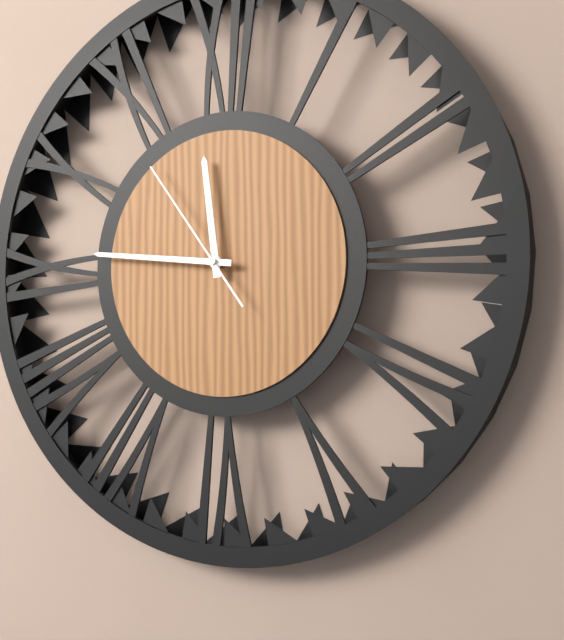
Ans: 11:46:54
